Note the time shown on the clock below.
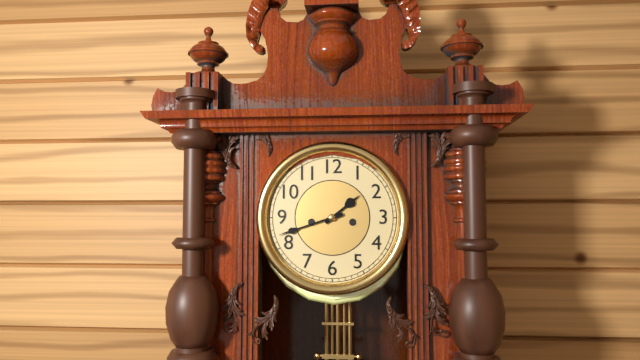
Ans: 1:42
